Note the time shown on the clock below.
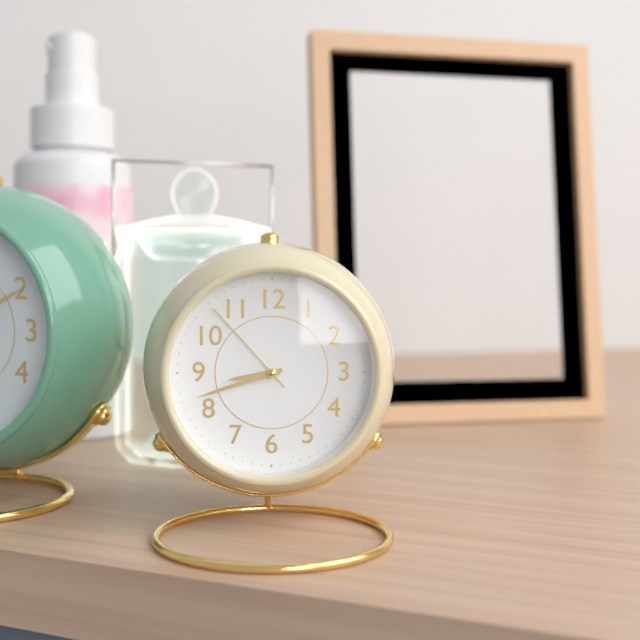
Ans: 8:42:53
